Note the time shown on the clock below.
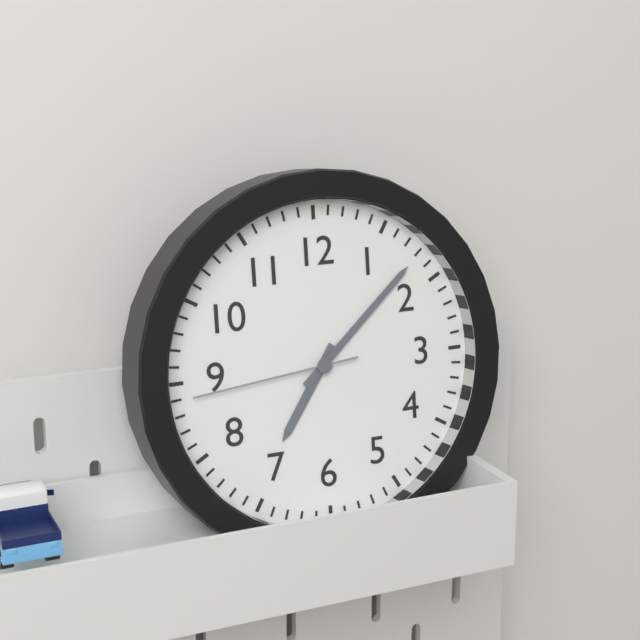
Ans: 7:08:44
